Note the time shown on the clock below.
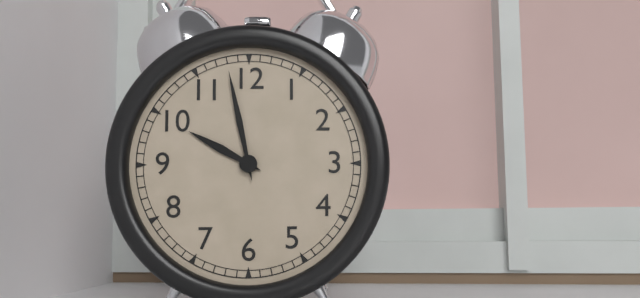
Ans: 9:58
